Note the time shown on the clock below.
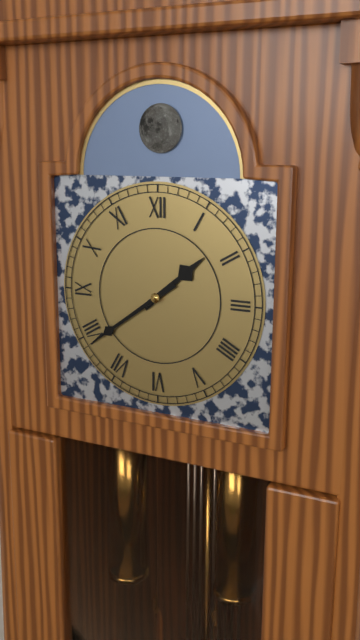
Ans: 1:39
